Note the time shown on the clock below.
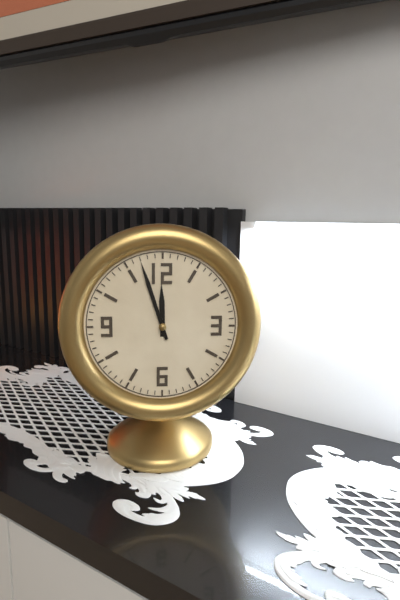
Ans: 11:57
